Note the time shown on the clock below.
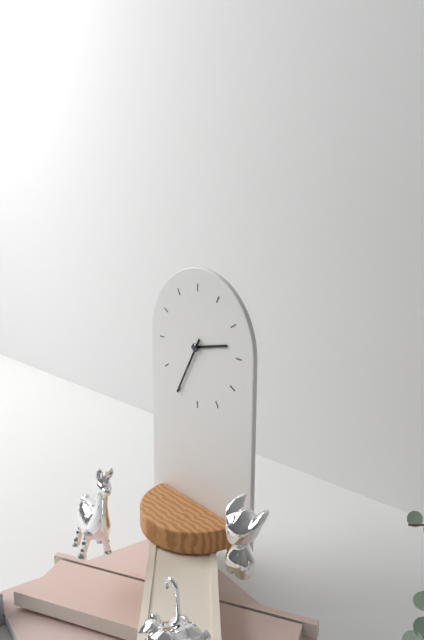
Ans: 2:35
